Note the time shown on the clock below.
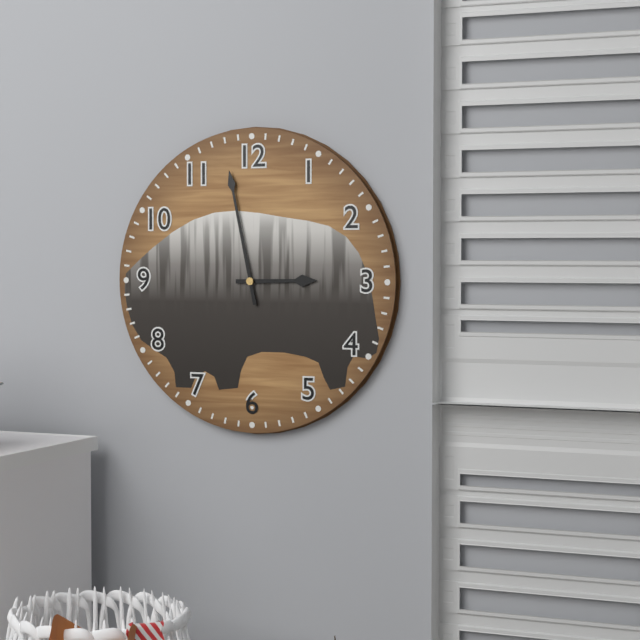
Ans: 2:58
